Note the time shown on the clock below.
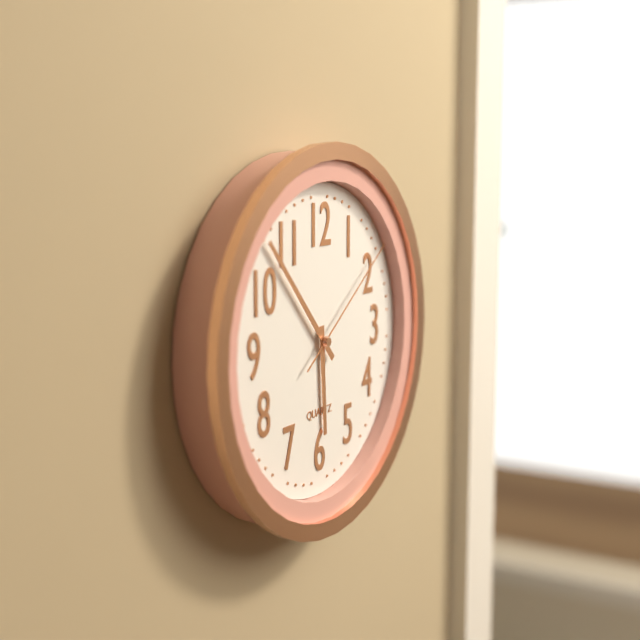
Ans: 5:53:09
